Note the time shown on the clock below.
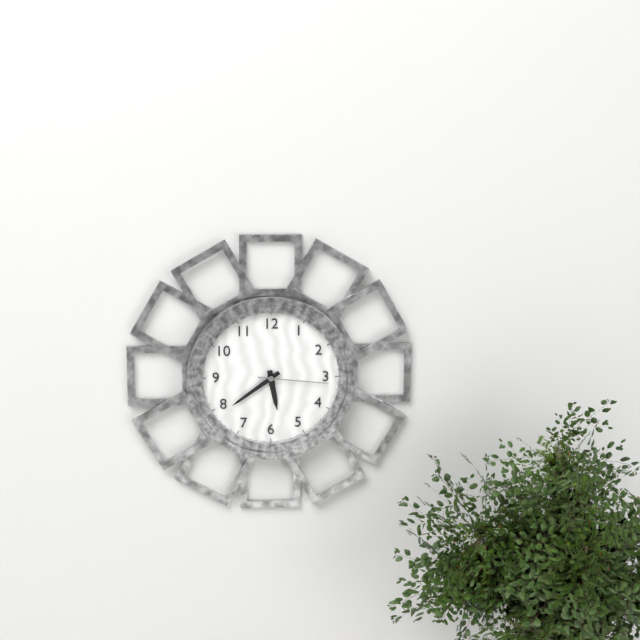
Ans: 5:39:16
